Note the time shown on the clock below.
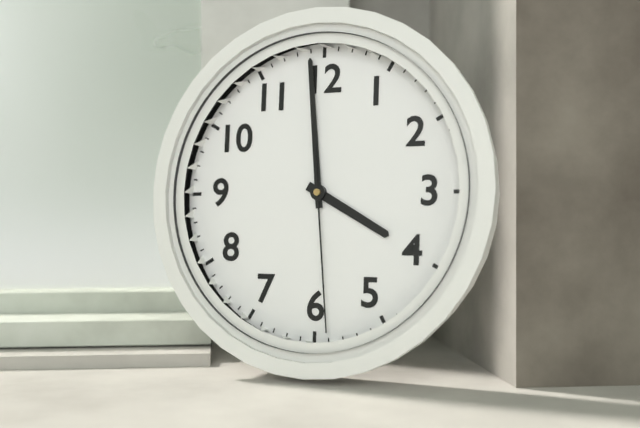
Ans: 3:59:29
